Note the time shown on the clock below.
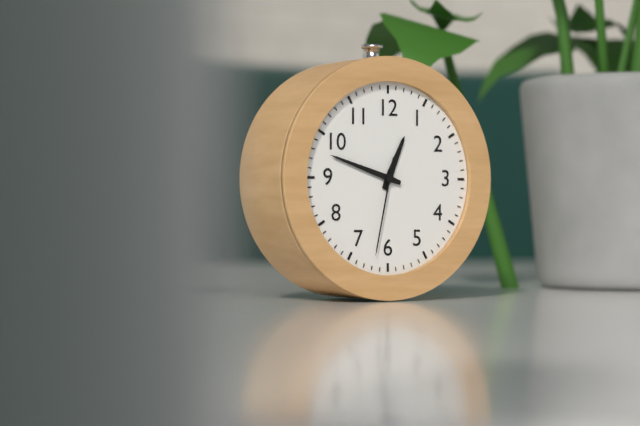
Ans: 12:48:32
